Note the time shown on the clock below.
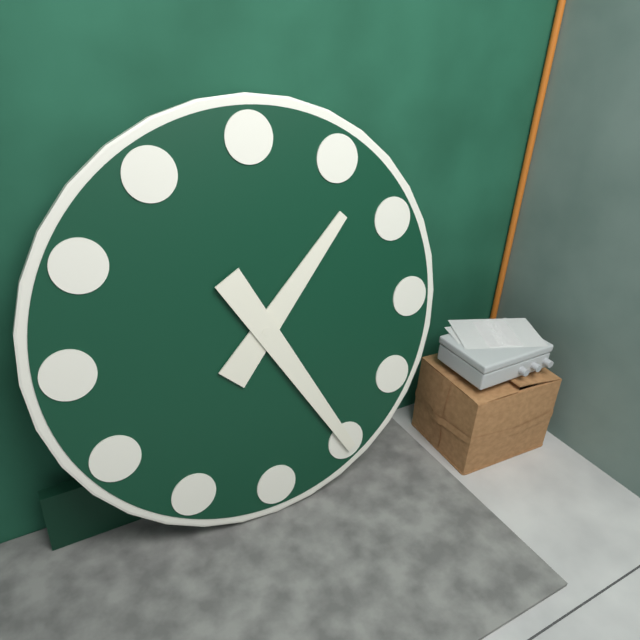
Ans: 1:25
